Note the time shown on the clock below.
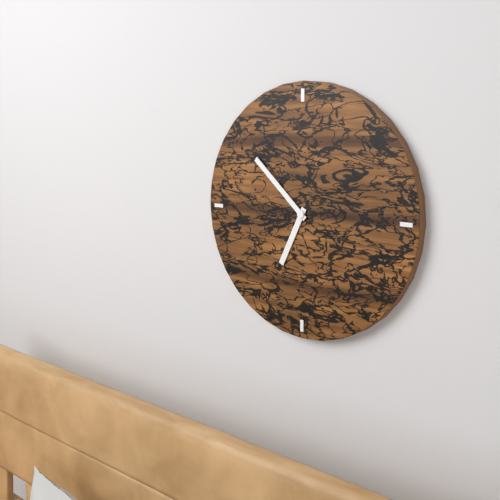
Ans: 6:52
